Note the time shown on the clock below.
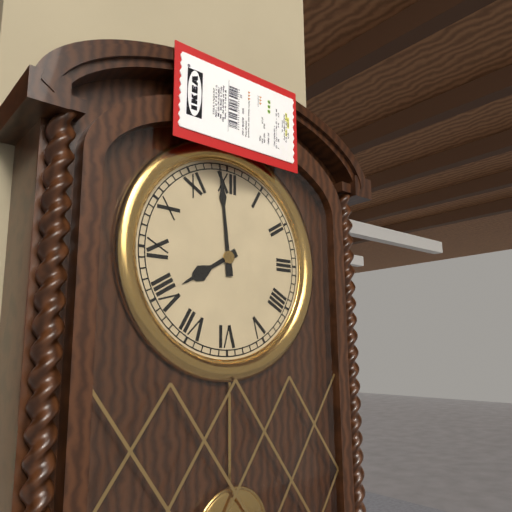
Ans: 7:59
